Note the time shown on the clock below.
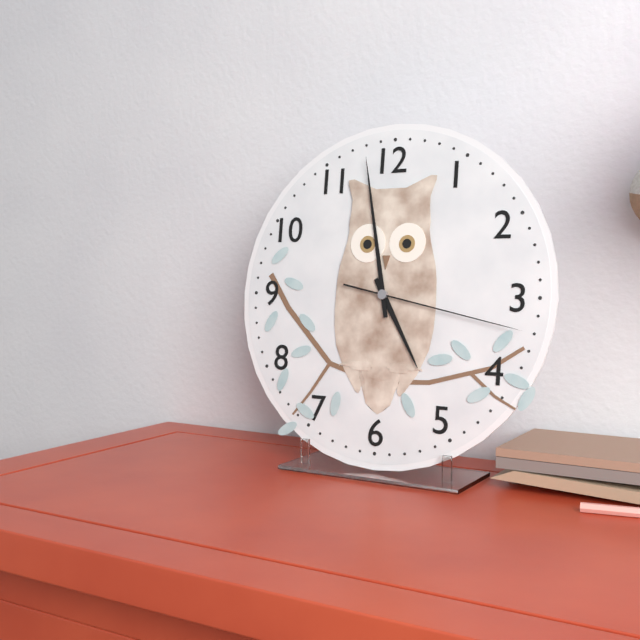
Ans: 4:58:17
